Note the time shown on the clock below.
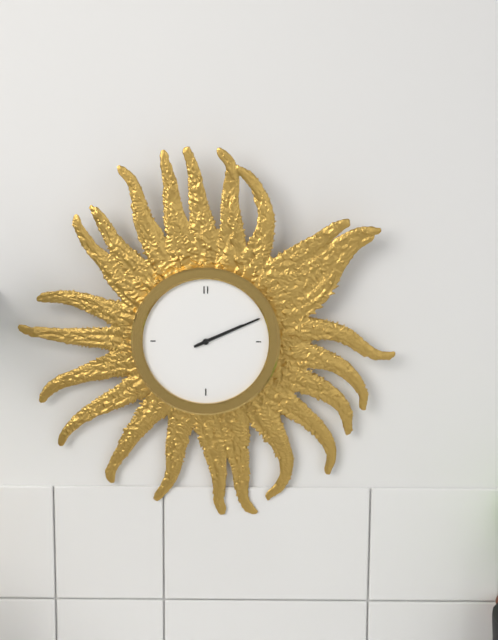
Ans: 2:11
